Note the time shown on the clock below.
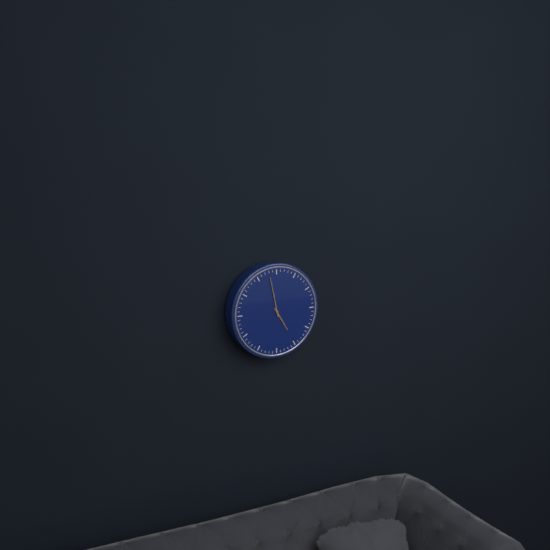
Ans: 4:58
